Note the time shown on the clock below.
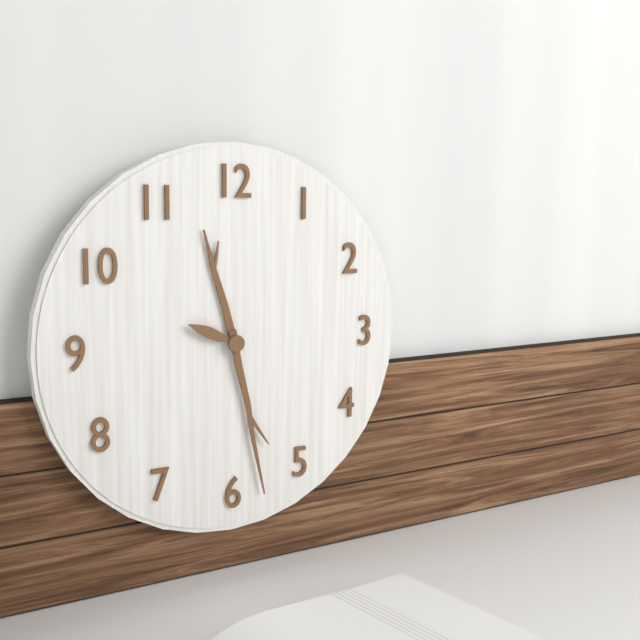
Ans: 11:28:49
